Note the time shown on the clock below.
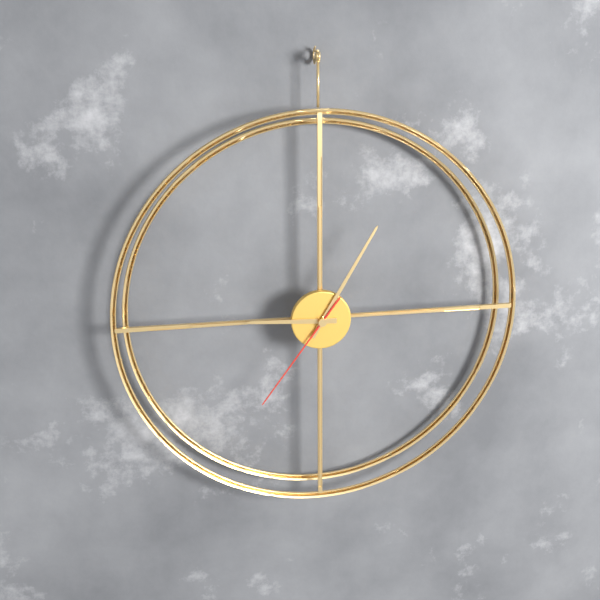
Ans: 9:05:36
